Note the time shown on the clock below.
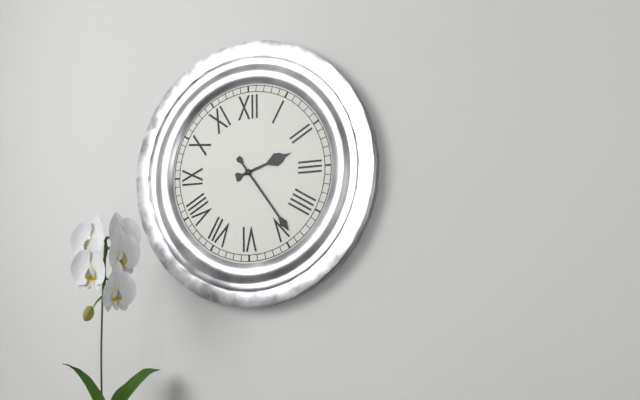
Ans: 2:24
